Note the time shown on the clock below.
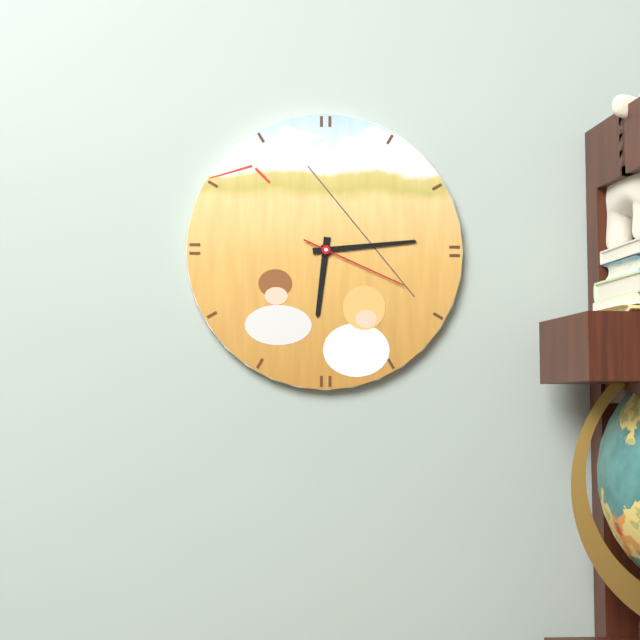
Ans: 6:14:19
